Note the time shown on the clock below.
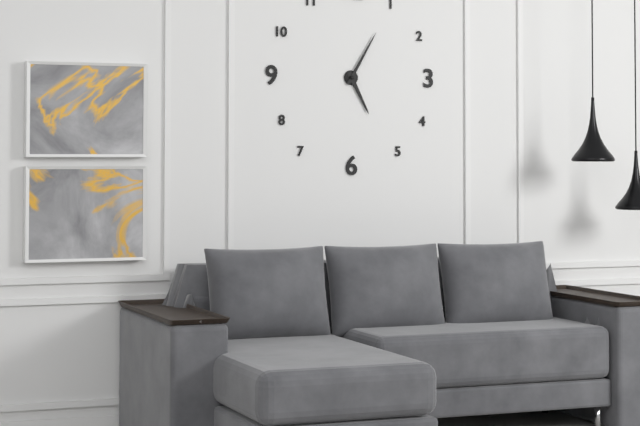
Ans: 5:05
